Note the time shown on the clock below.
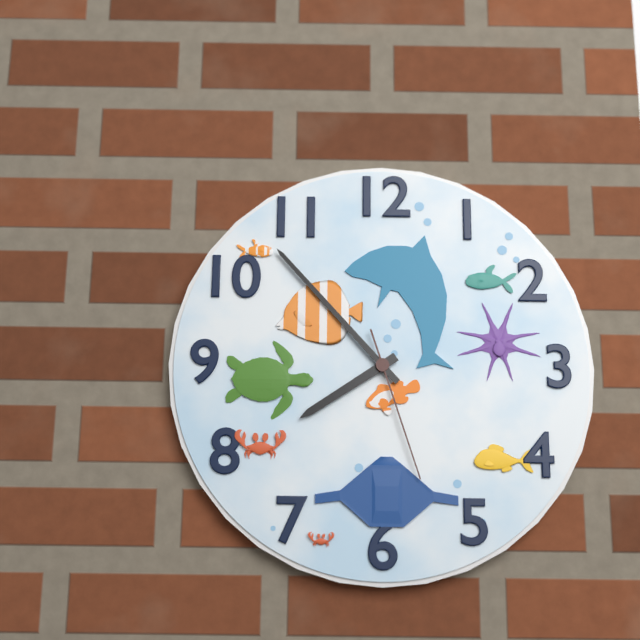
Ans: 7:53:27
